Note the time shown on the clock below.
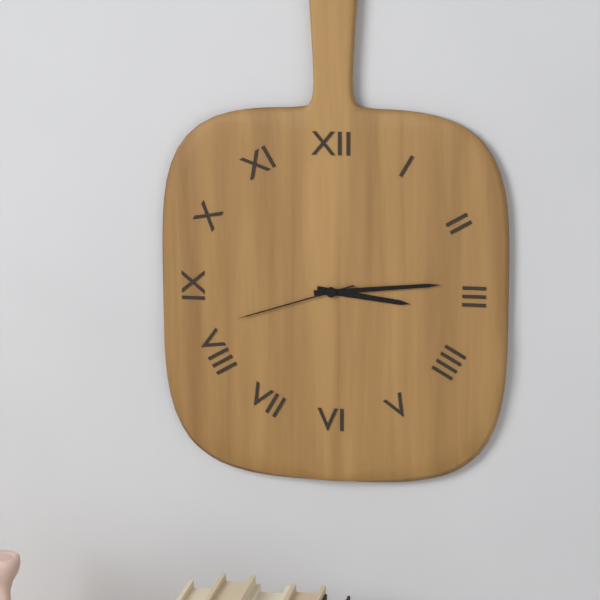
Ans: 3:14:42
